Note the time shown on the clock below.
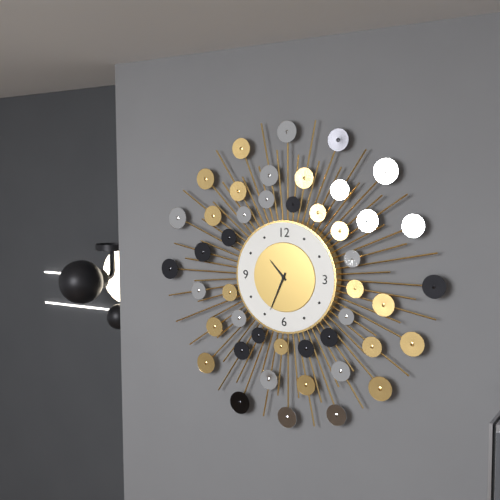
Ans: 10:34
